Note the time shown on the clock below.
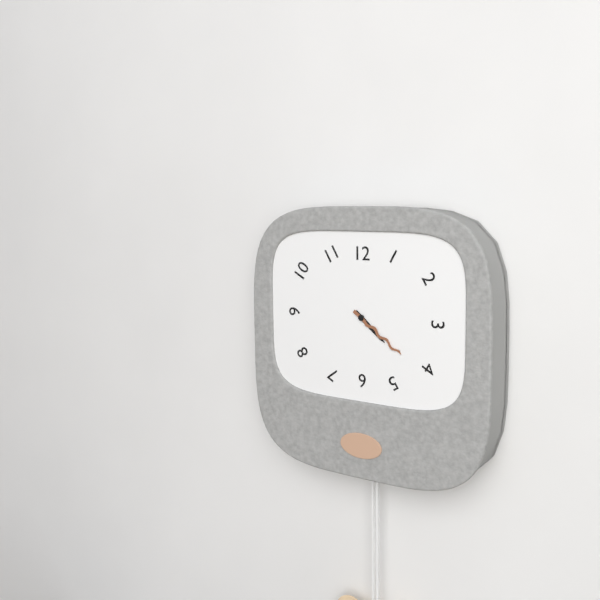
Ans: 4:21
